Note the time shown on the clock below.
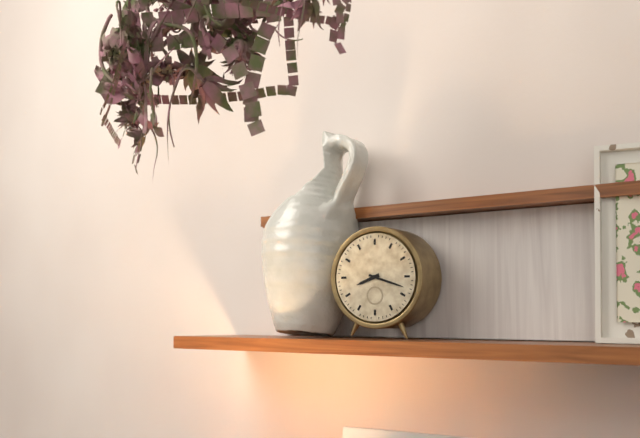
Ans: 8:18
